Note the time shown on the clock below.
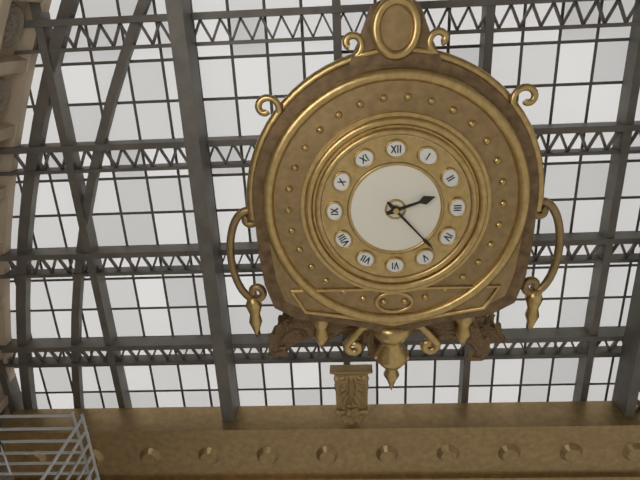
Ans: 2:23
